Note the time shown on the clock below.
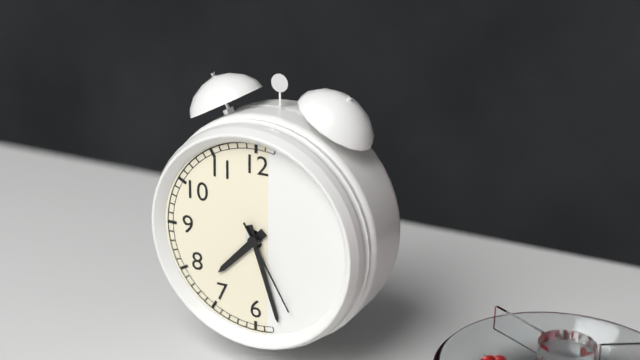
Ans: 7:27:25
